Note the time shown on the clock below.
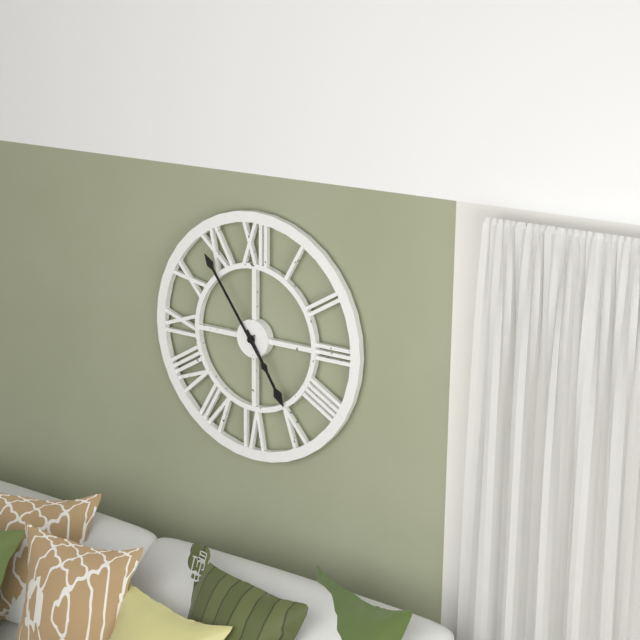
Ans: 4:54
